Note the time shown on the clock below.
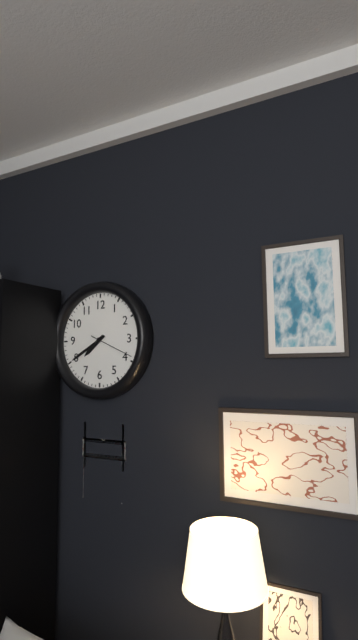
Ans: 7:40
